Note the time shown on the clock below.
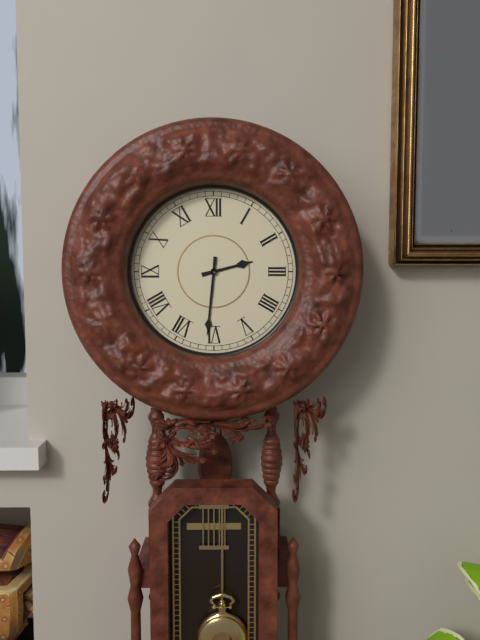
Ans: 2:31
